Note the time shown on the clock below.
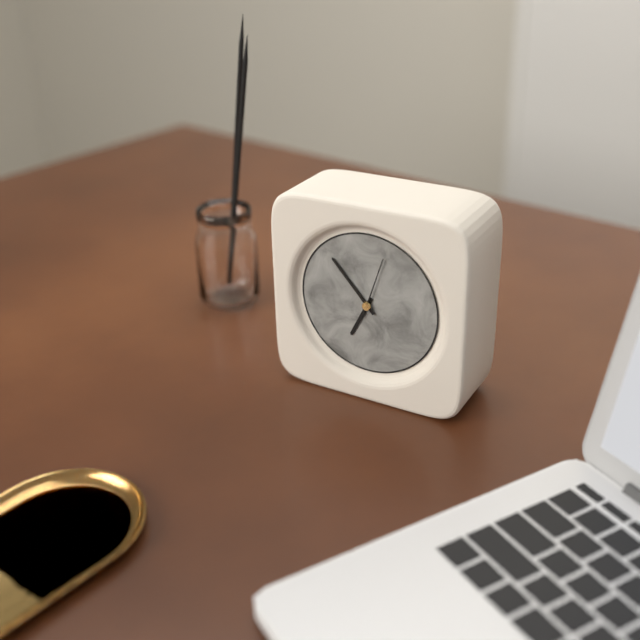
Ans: 6:53:03
